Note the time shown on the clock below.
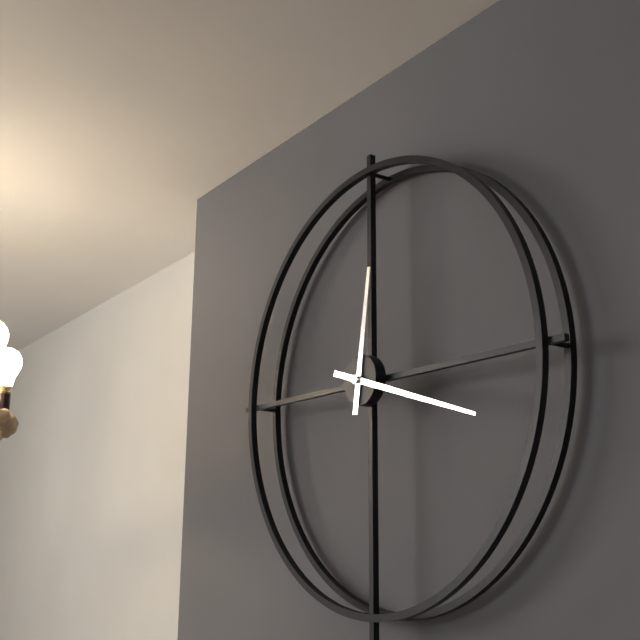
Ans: 12:18
